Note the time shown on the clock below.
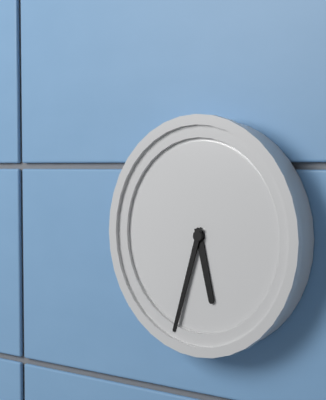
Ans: 5:33
